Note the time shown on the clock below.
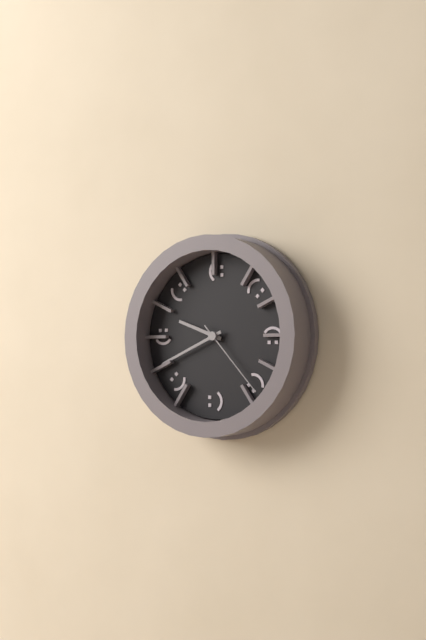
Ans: 9:41:23
